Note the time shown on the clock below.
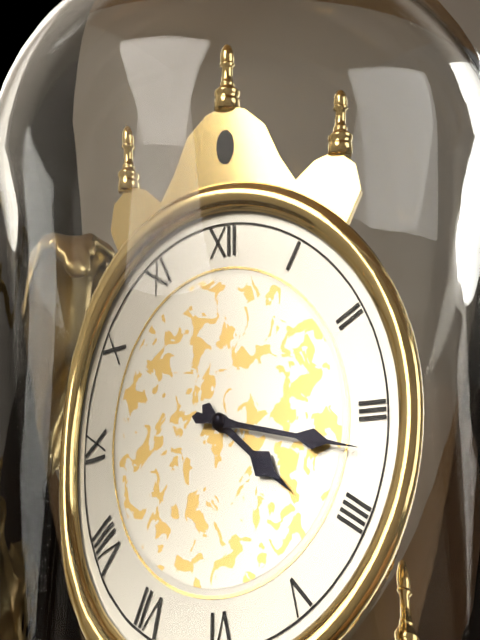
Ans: 4:17
